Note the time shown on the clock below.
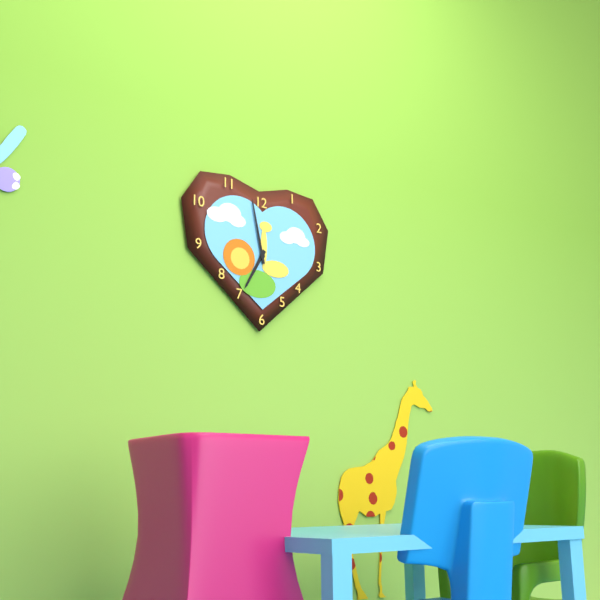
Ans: 6:58
